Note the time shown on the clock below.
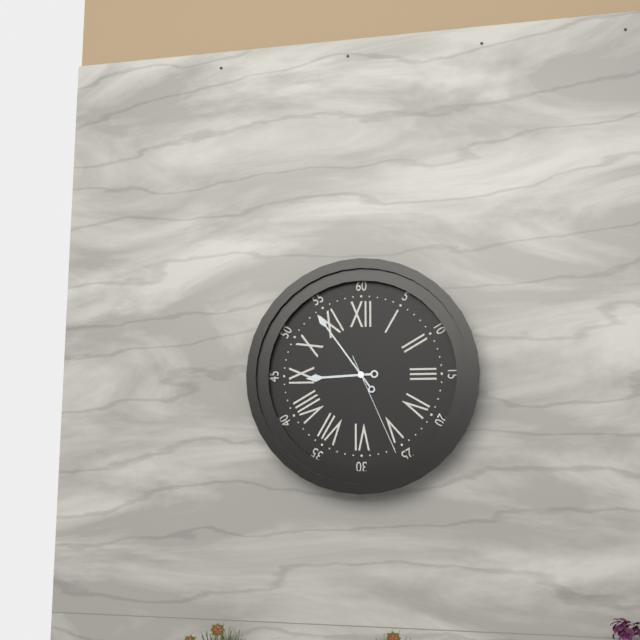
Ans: 8:54:26
